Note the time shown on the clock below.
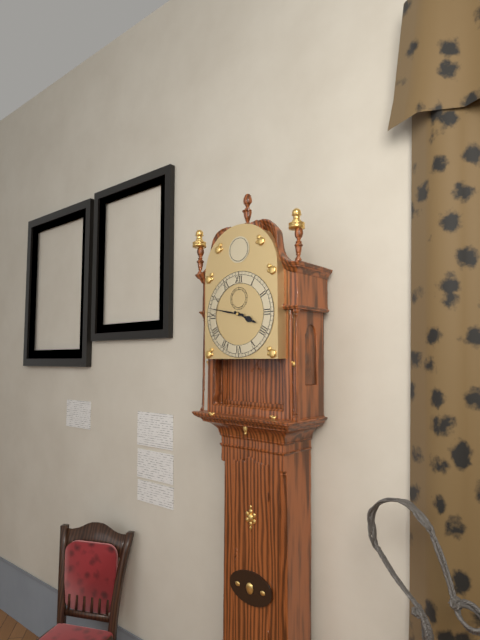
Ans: 3:47
